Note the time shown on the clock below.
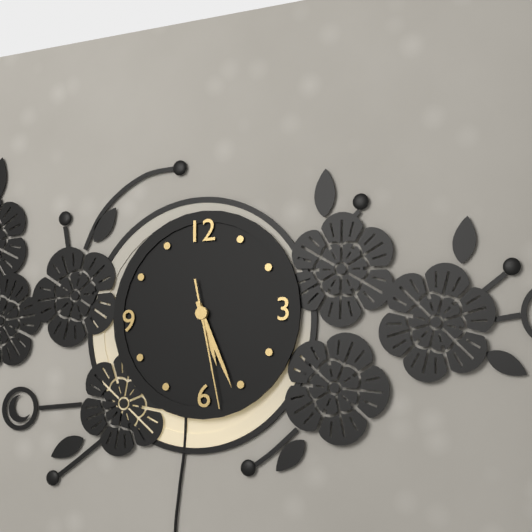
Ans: 5:26:28
